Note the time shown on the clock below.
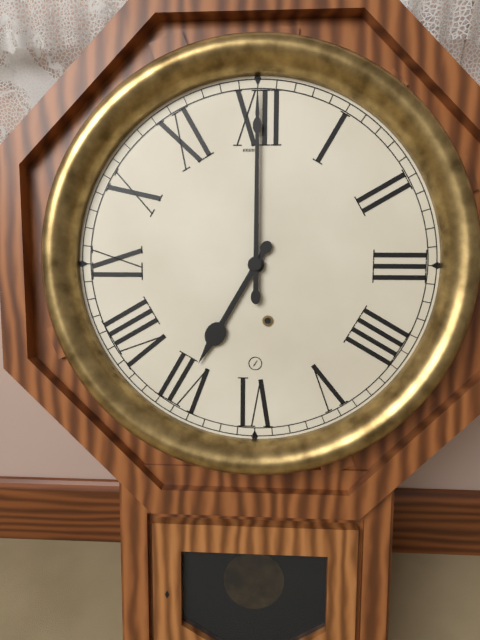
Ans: 7:00
